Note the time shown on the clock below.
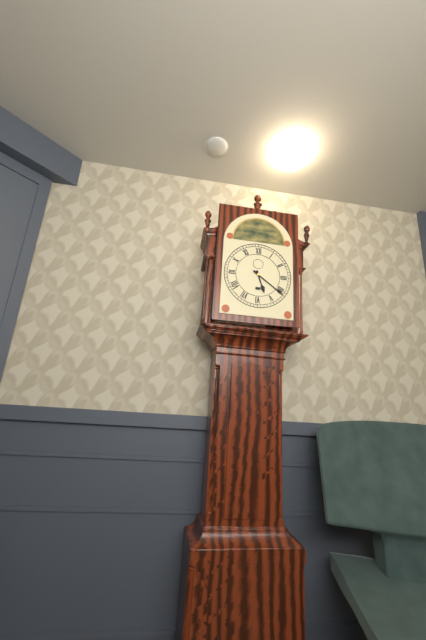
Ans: 5:21
